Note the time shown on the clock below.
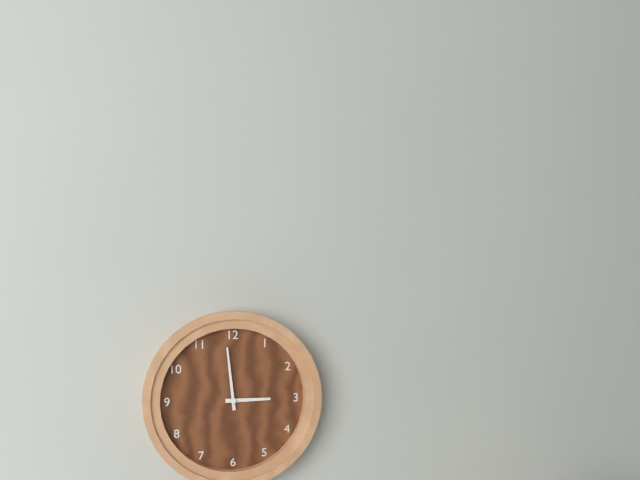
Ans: 2:59
